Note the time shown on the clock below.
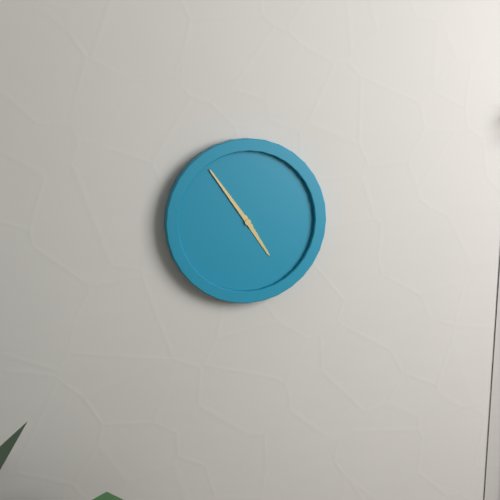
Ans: 4:54
